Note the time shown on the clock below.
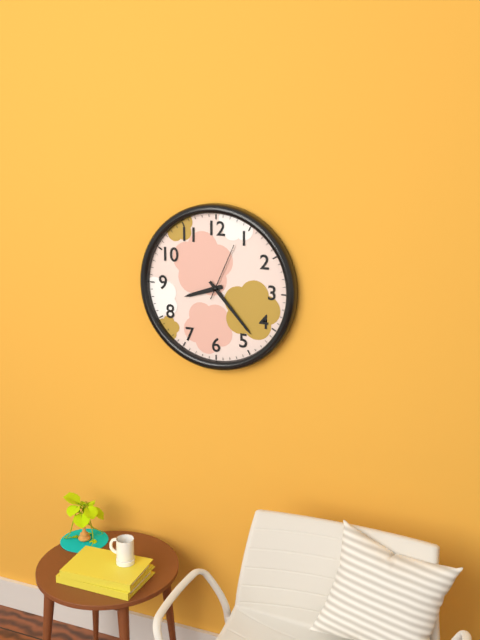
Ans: 8:23:04
